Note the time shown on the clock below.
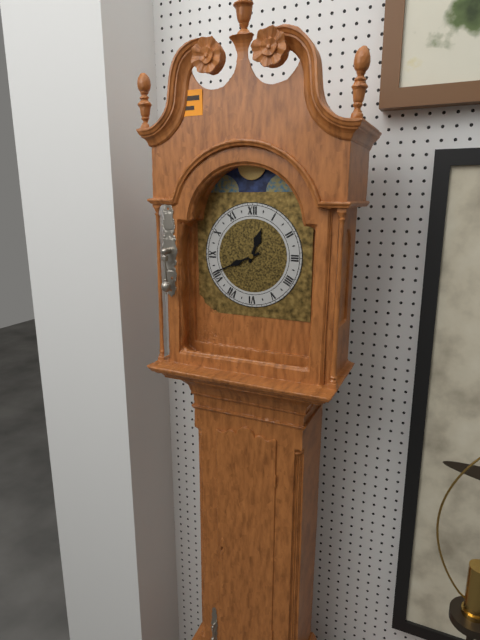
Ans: 12:41
